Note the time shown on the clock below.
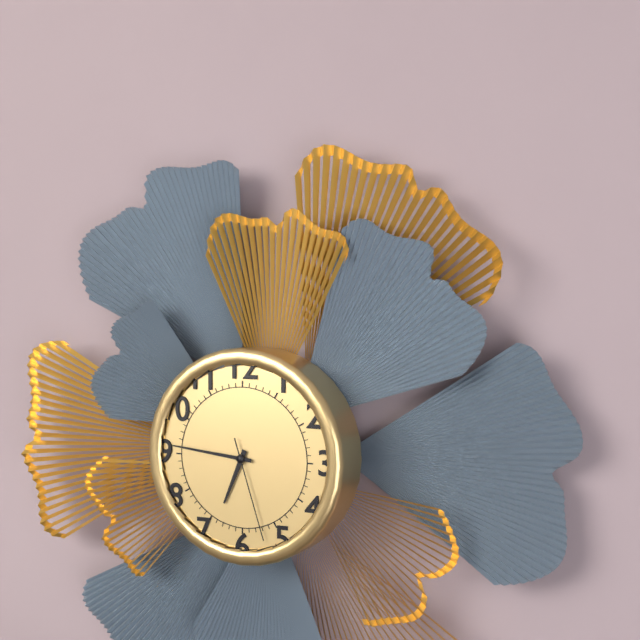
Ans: 6:46:27
